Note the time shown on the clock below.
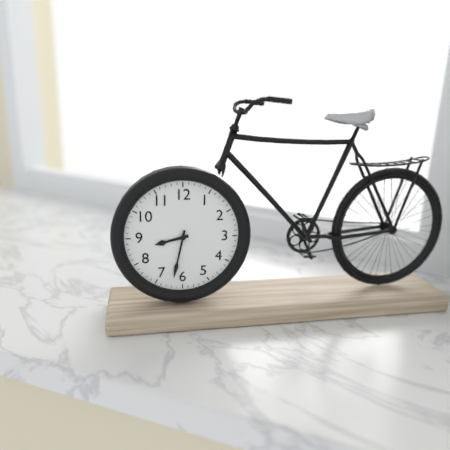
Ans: 8:32
